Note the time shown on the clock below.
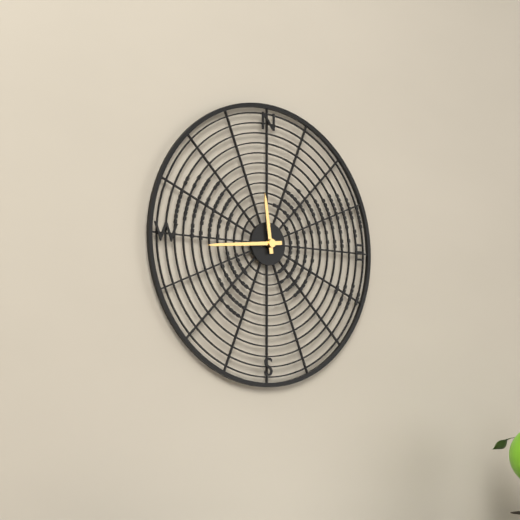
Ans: 11:44
